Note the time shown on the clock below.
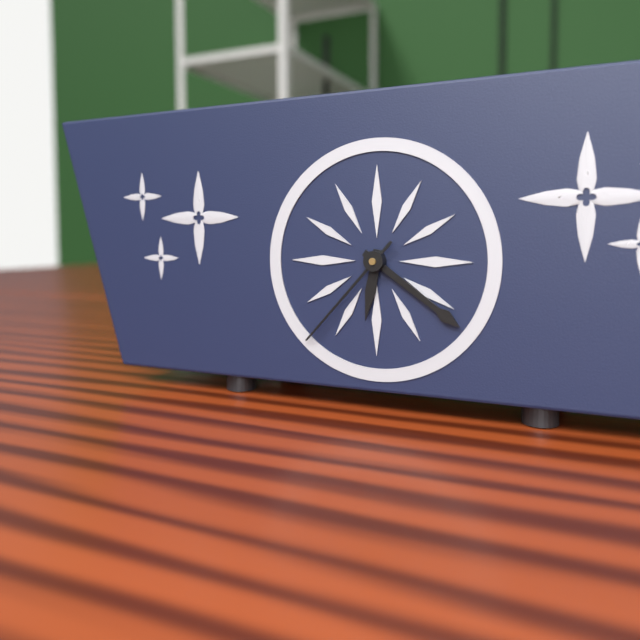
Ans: 6:21:37
